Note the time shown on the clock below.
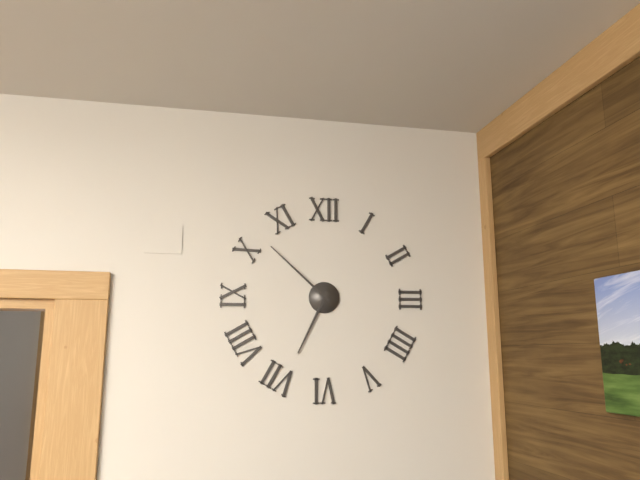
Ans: 6:52
